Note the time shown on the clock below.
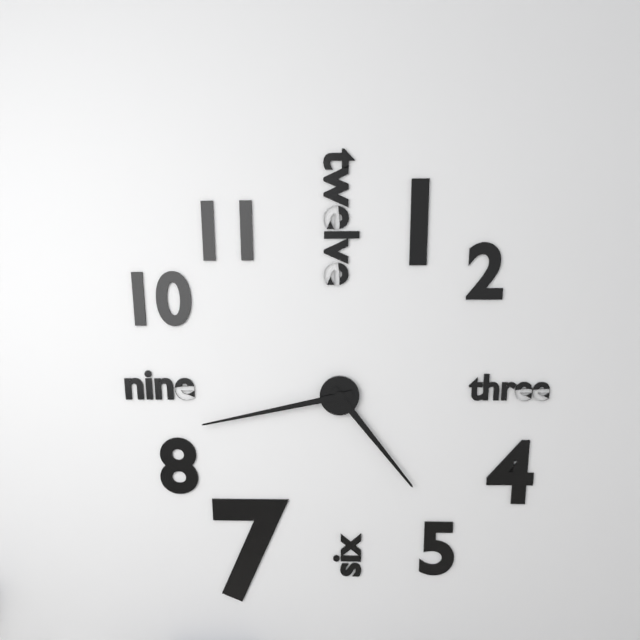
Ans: 4:43
